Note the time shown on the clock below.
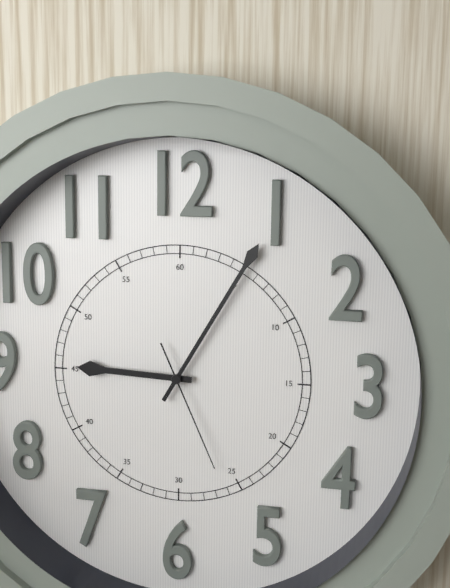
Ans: 9:05:26
